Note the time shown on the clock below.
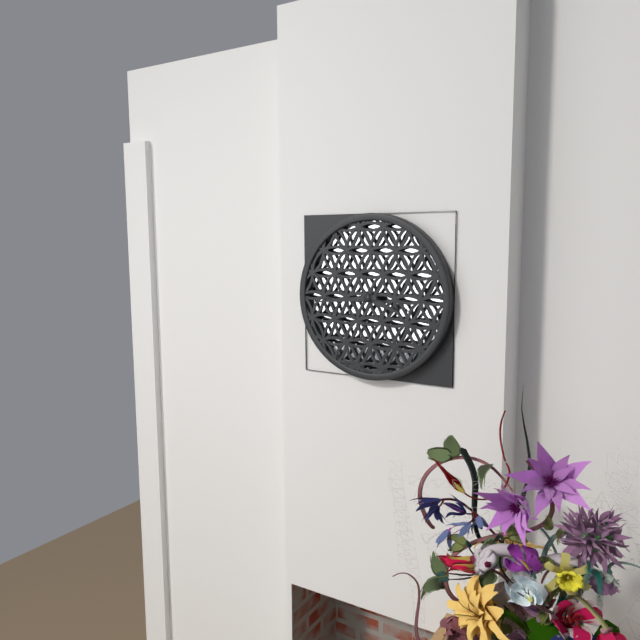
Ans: 3:44
